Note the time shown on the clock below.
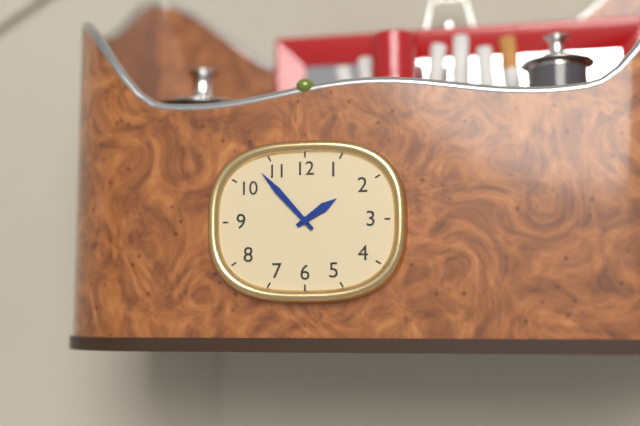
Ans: 1:53
